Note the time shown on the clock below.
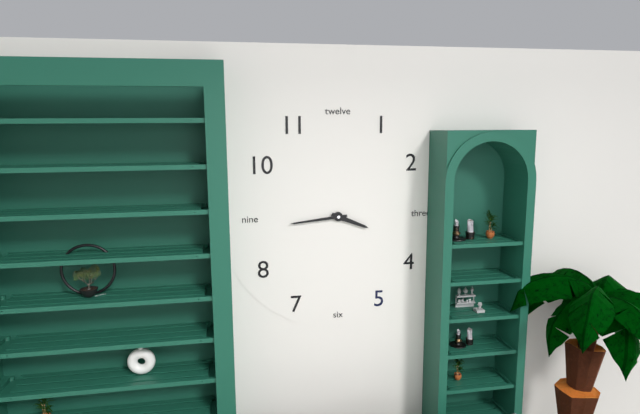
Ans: 3:44
